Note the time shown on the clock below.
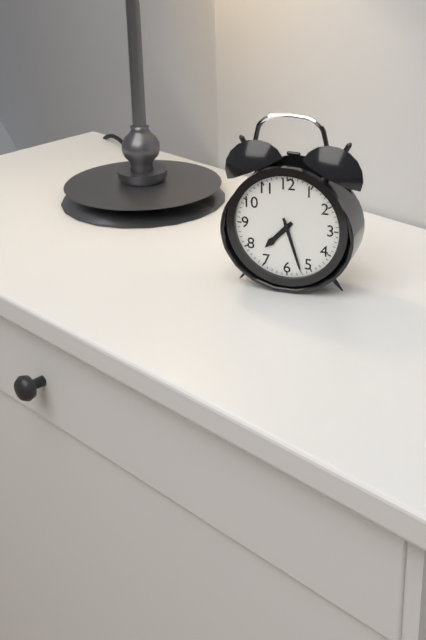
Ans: 7:27
